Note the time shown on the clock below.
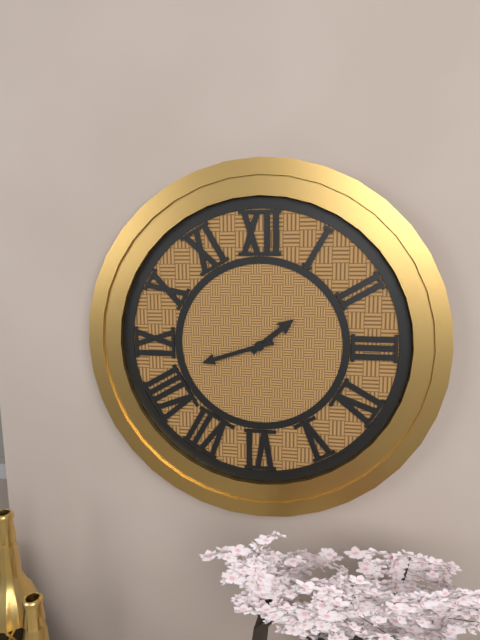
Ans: 1:42
